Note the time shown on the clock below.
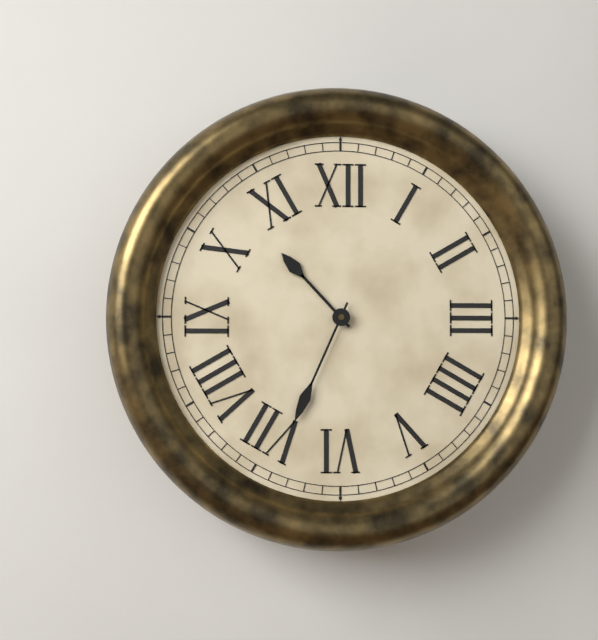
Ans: 10:34
